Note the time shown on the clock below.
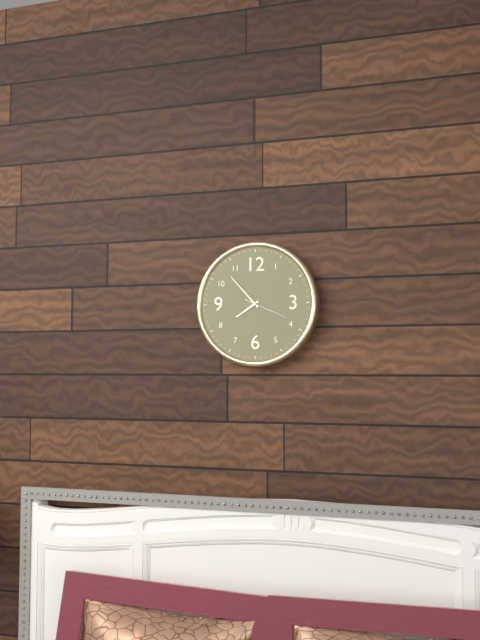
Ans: 7:53
